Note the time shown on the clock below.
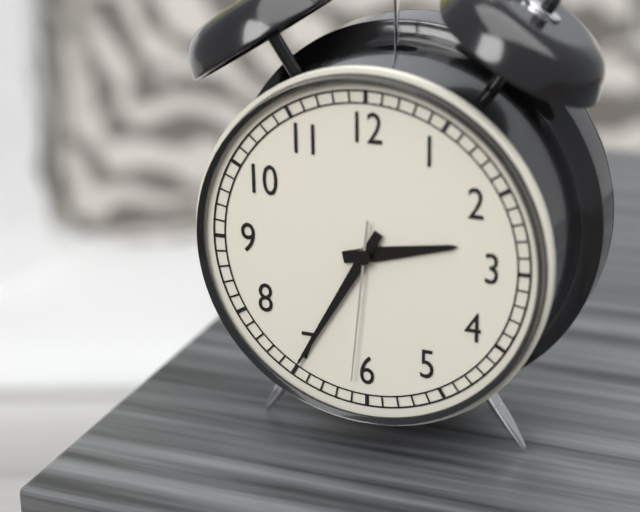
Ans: 2:35:31
